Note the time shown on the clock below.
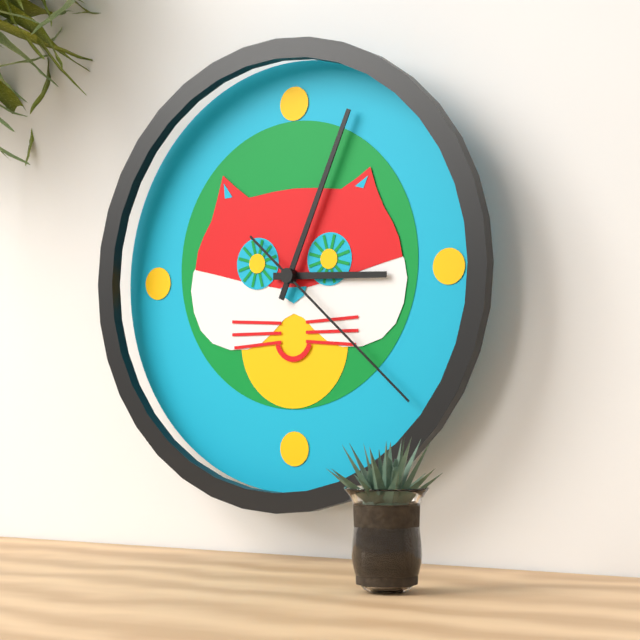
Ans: 3:04:22
